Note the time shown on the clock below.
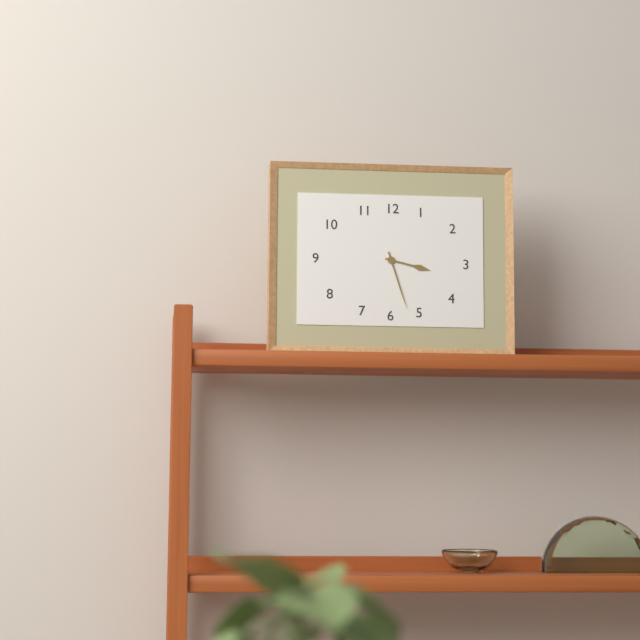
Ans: 3:27
